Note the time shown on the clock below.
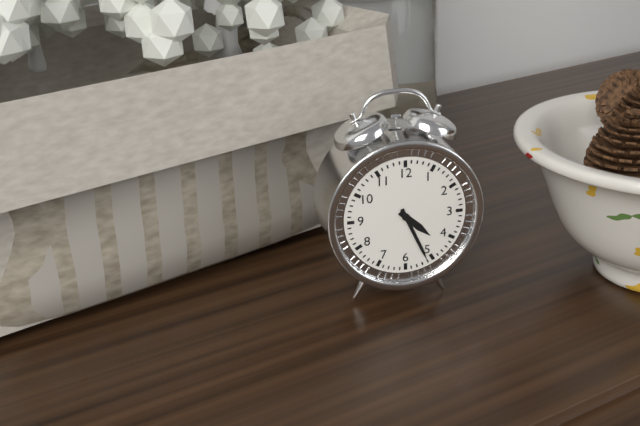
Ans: 4:26
